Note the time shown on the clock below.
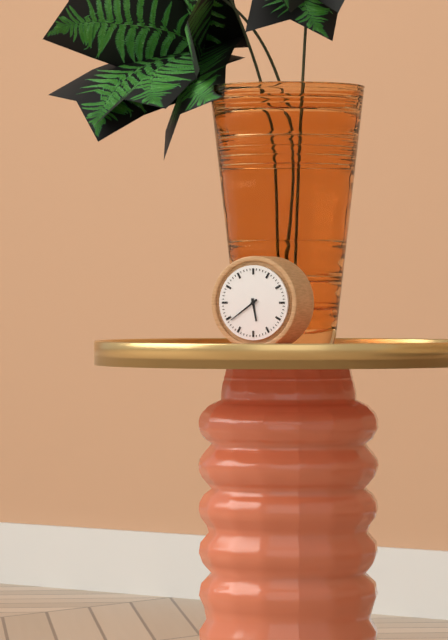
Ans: 5:39
